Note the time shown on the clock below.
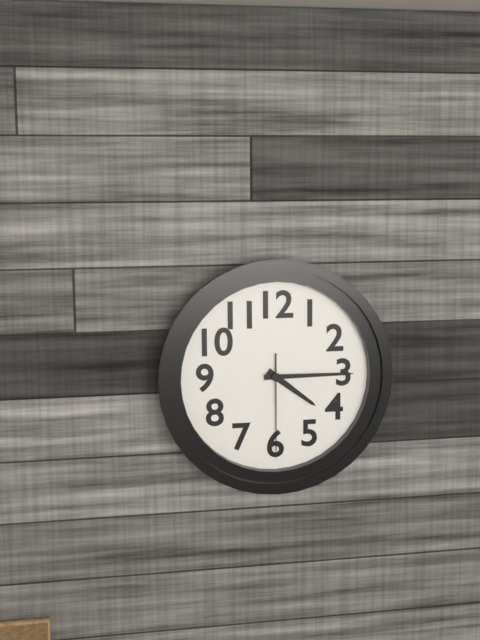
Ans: 4:15:30
